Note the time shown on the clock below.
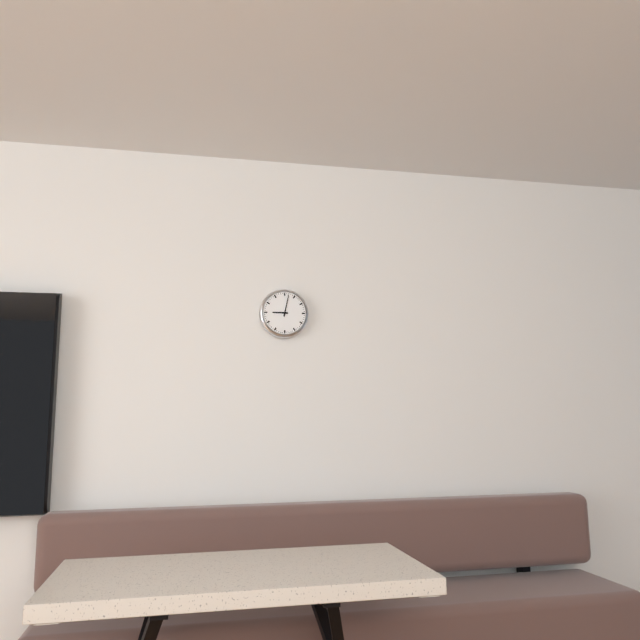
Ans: 9:02
